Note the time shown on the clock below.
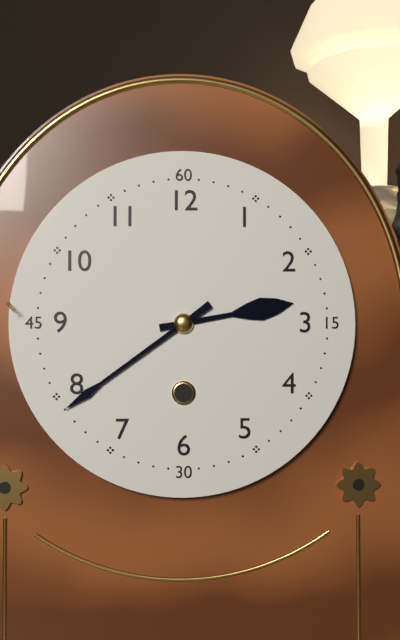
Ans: 2:39
